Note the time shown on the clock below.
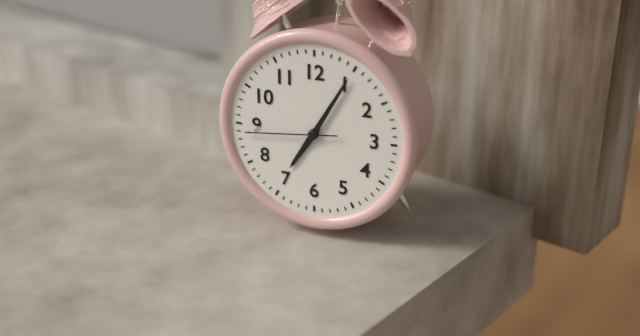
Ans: 7:05:44
